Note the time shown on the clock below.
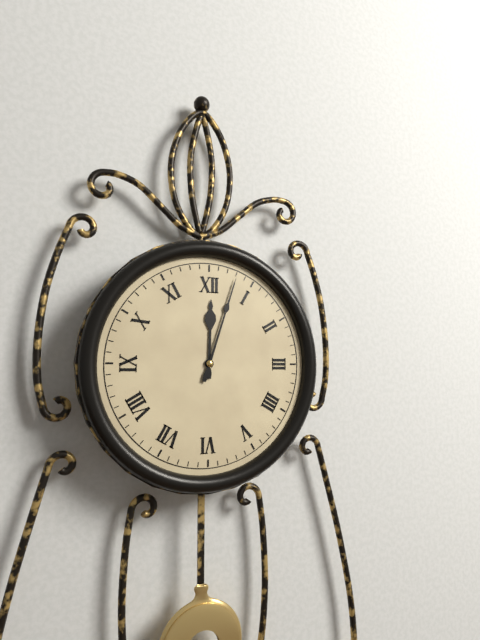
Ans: 12:03
